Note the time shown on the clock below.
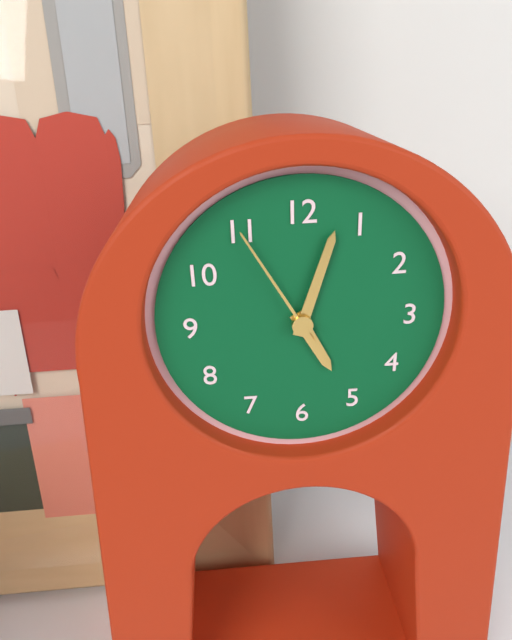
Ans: 5:03:55
